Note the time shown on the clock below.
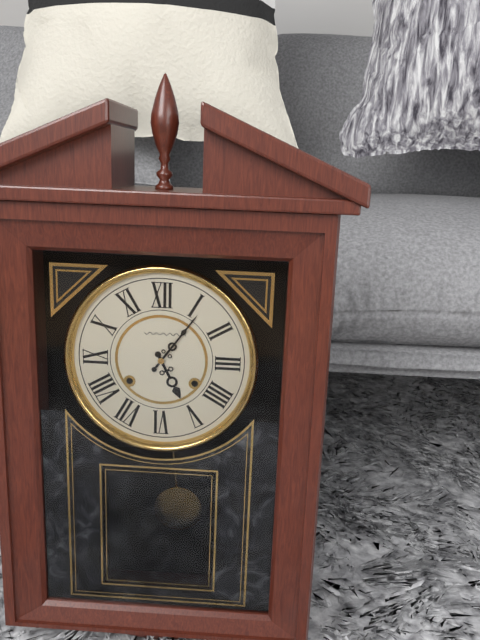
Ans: 5:06
